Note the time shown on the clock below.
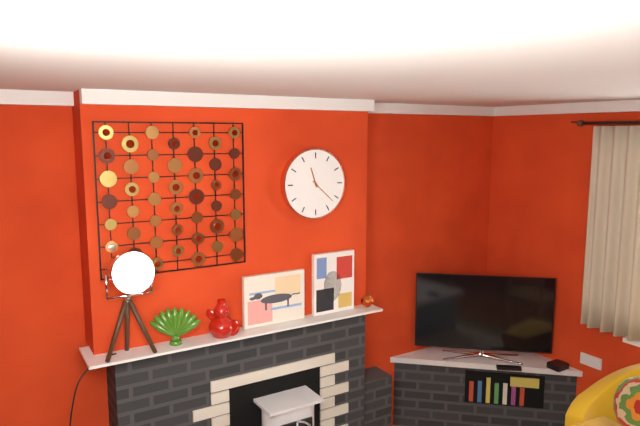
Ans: 11:22
